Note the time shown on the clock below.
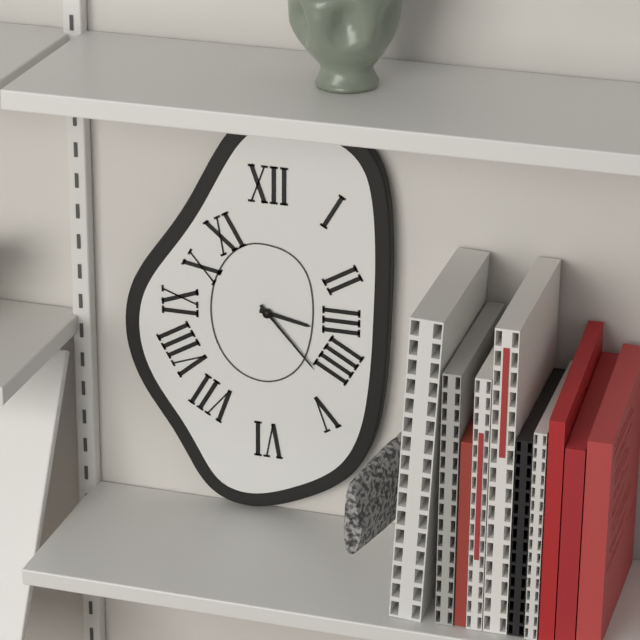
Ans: 3:23
